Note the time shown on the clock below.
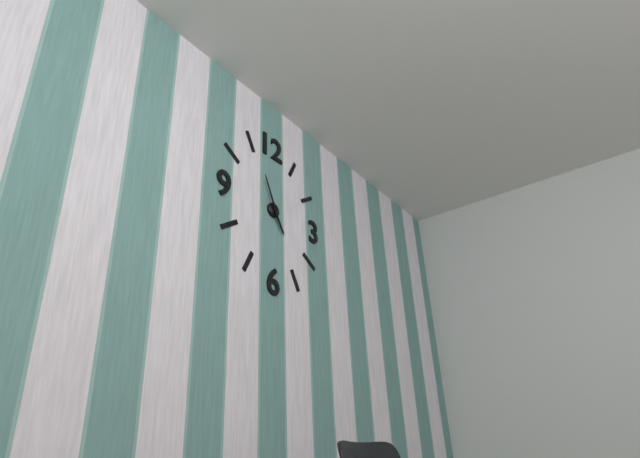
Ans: 4:56
